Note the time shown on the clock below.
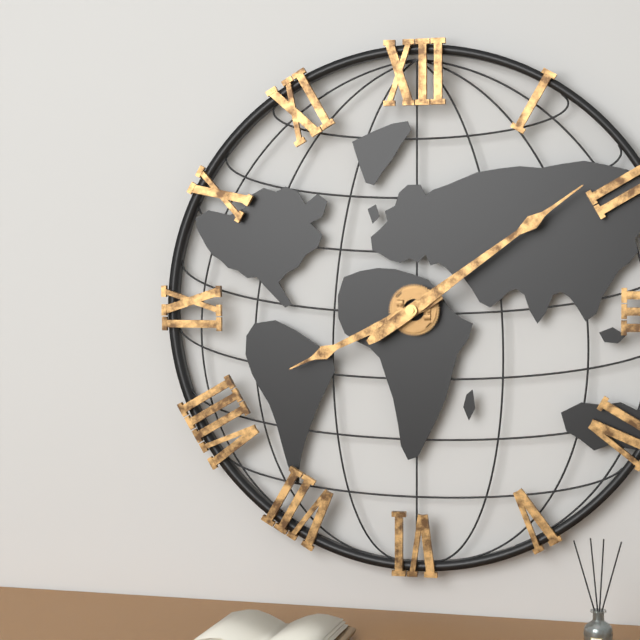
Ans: 8:09
